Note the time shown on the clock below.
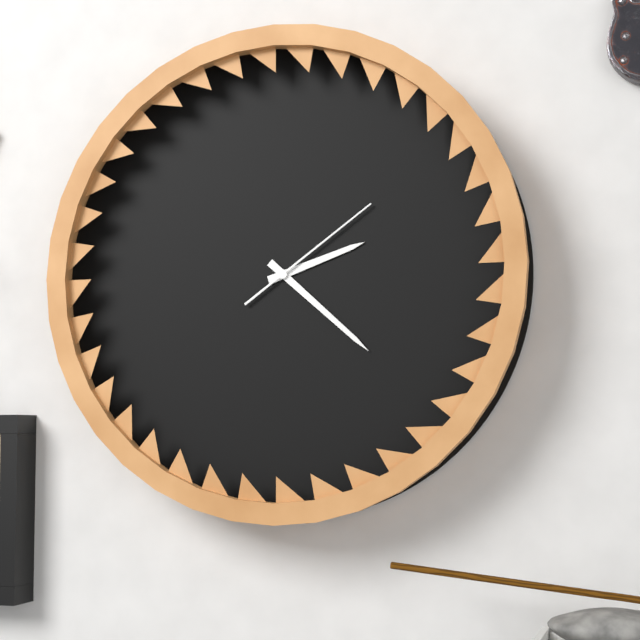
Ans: 2:22:09
